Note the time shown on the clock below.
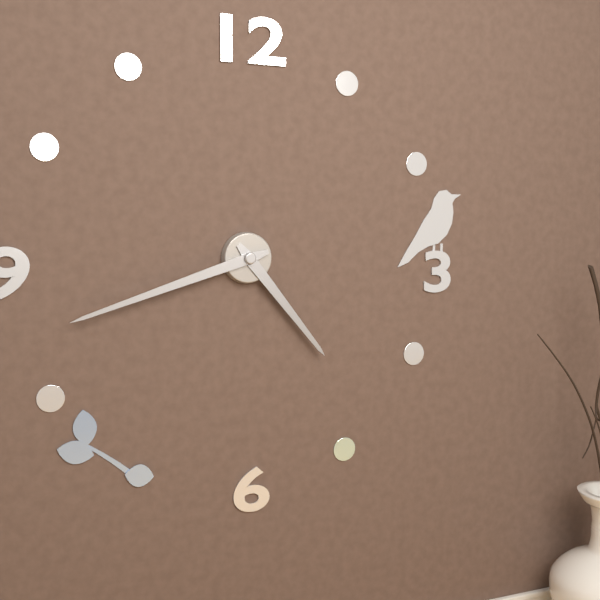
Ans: 4:42
